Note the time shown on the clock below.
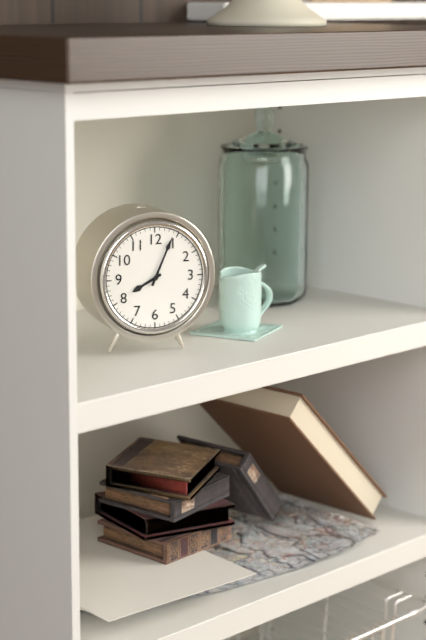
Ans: 8:04
